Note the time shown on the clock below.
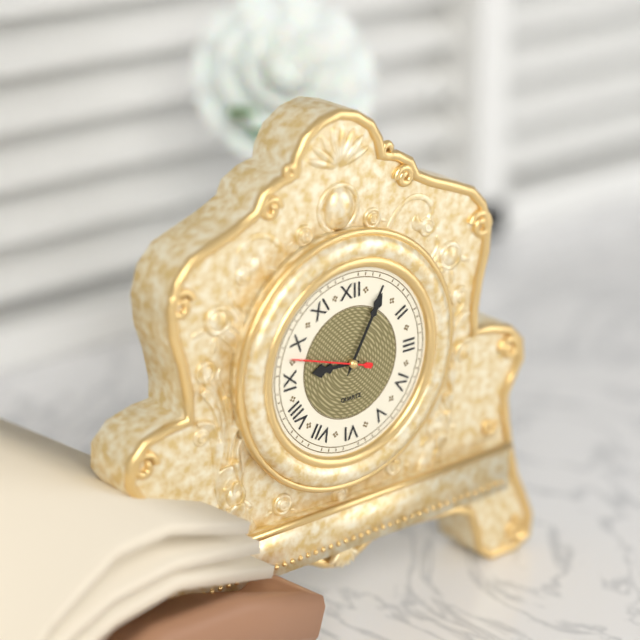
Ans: 9:05:48
